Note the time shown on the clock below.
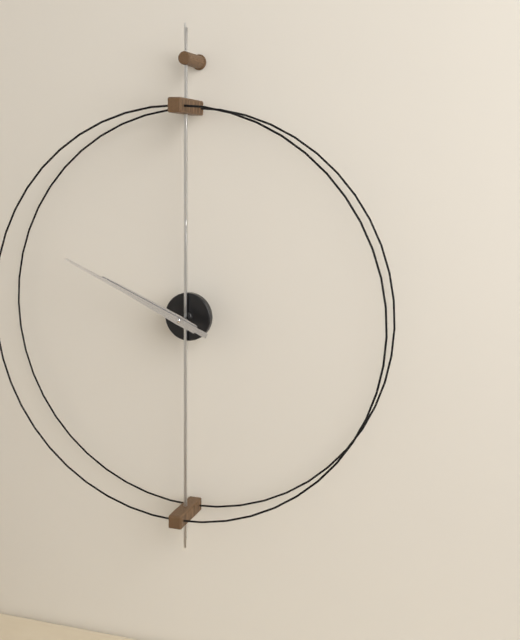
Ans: 9:49
